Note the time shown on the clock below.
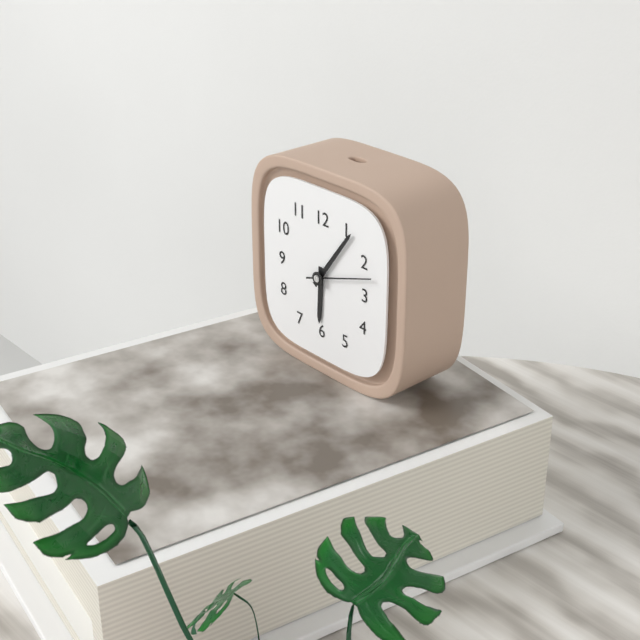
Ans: 6:06:12
